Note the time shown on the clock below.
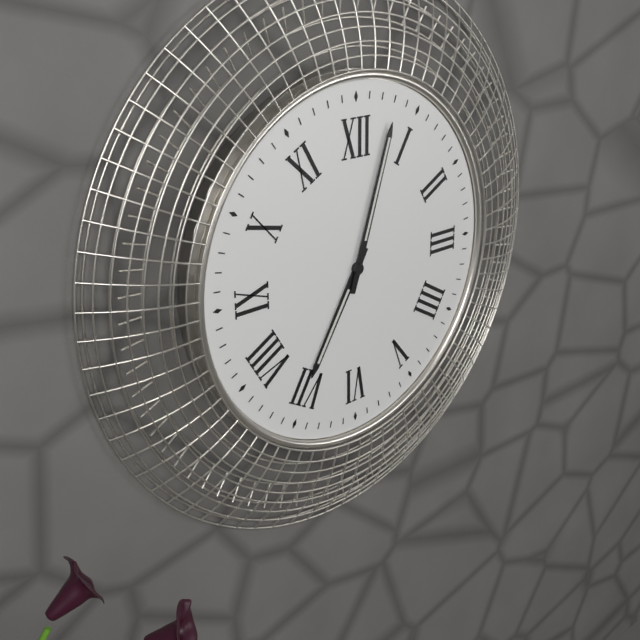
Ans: 7:03
